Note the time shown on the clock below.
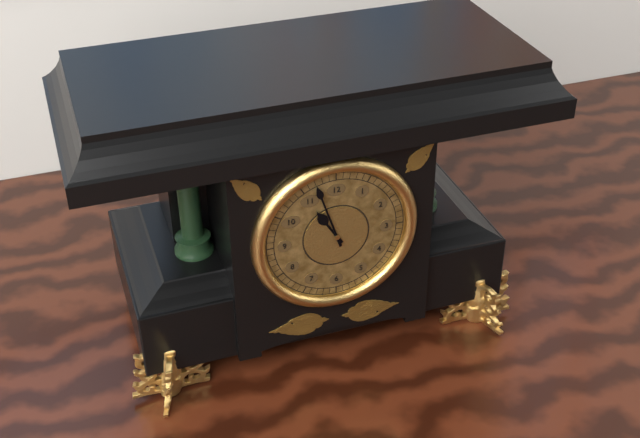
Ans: 10:57
